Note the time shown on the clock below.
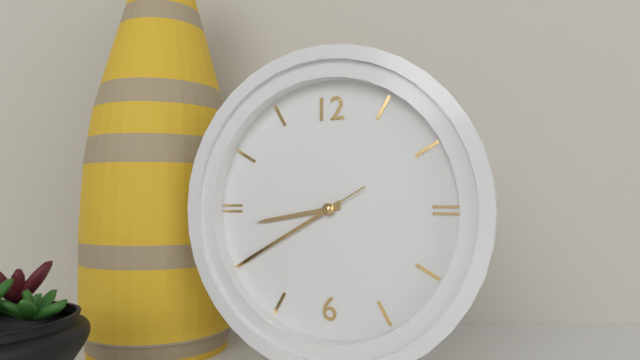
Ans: 8:40:40
